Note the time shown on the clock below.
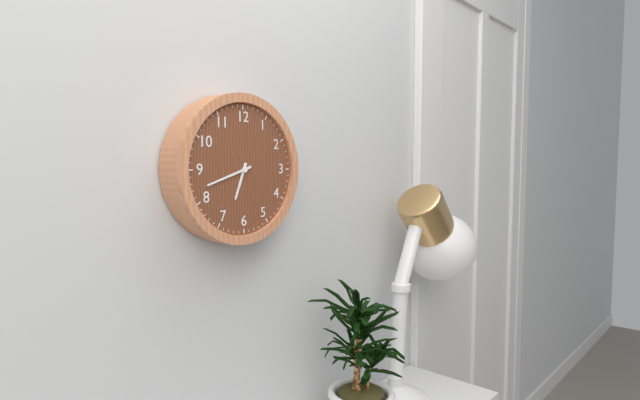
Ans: 6:42
